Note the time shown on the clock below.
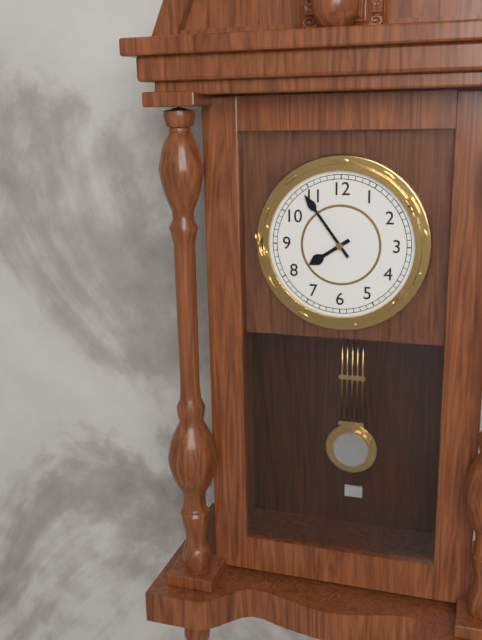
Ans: 7:54
